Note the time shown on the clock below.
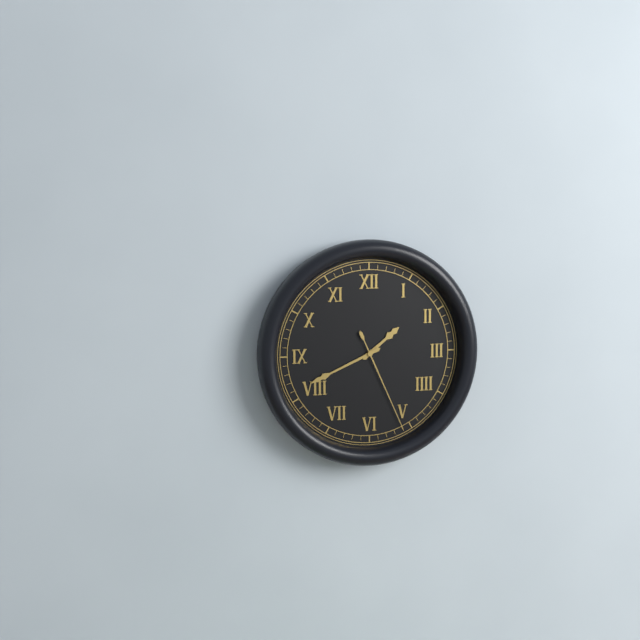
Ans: 1:41:26
